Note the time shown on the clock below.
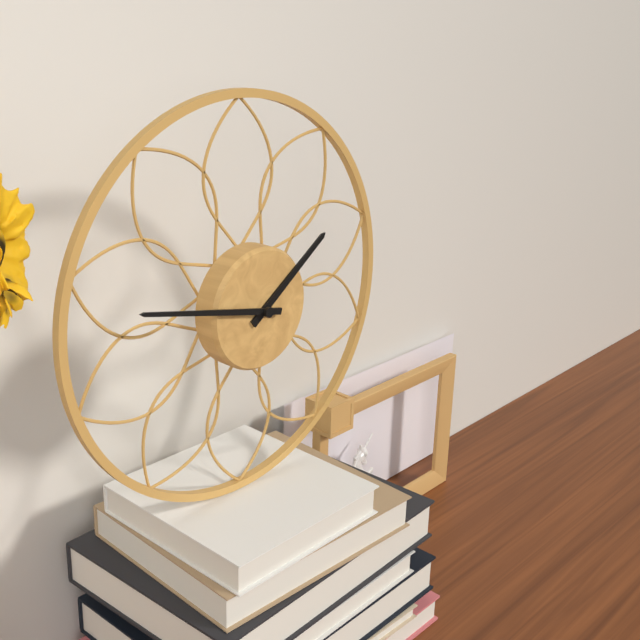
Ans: 1:47
